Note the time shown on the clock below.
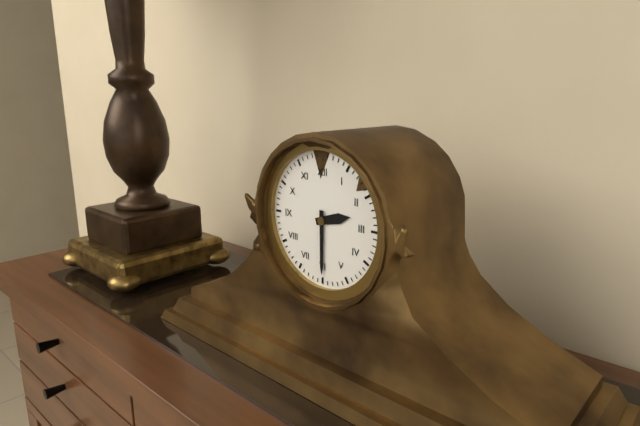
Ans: 2:30
